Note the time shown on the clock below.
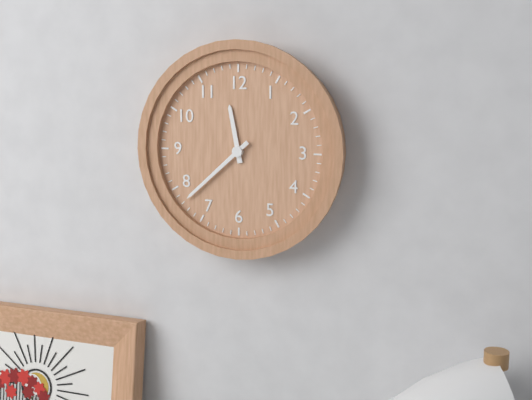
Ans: 11:38
